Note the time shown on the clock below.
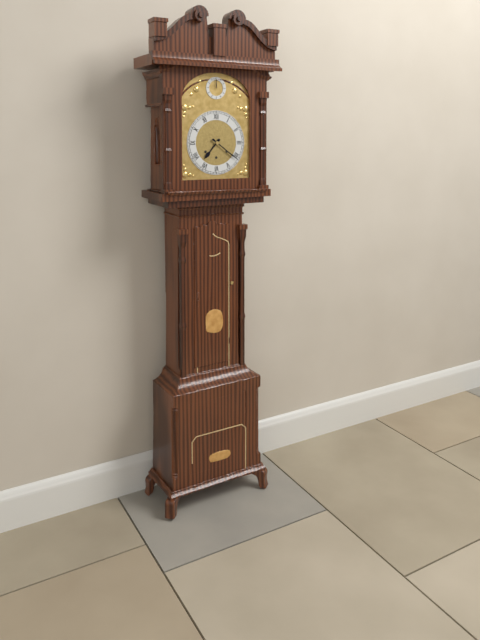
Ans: 7:21
